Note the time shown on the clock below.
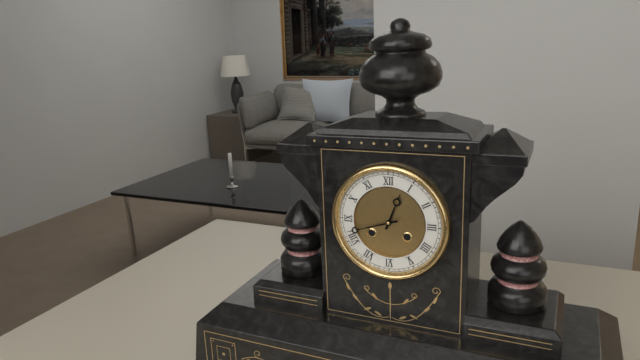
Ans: 12:42
